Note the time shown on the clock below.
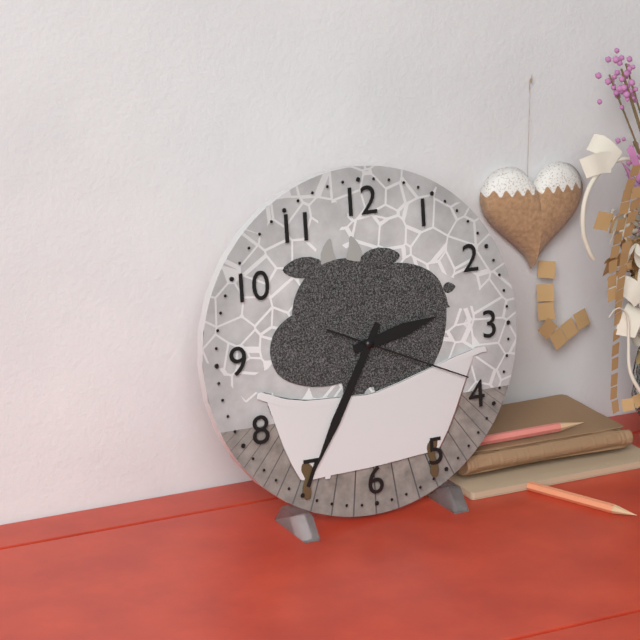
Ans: 2:35:19
